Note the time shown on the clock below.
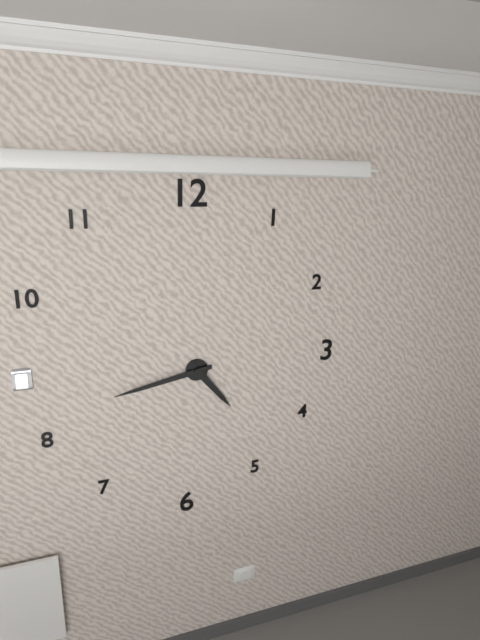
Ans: 4:43
